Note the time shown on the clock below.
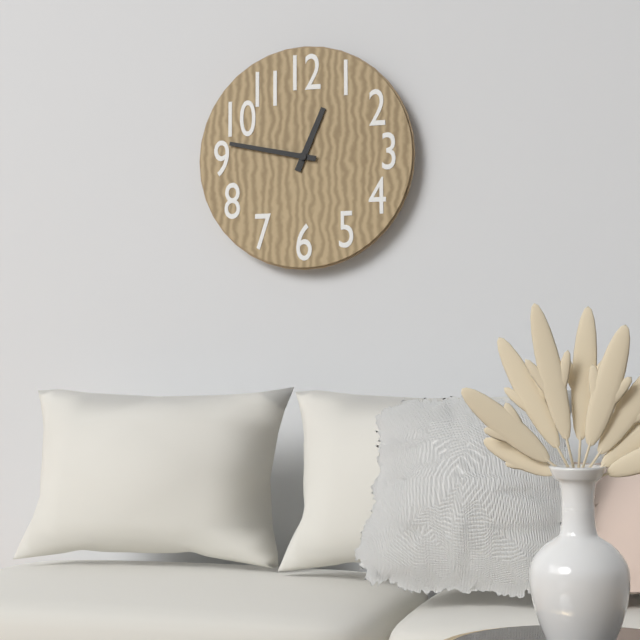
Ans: 12:47
